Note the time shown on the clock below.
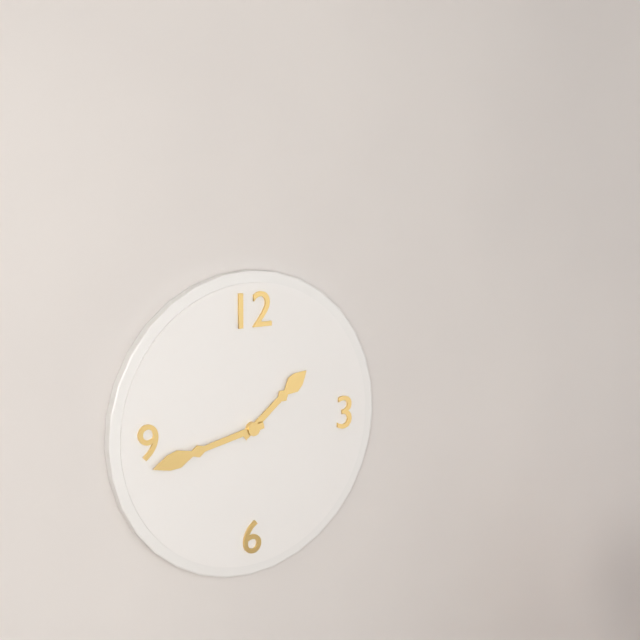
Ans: 1:43
